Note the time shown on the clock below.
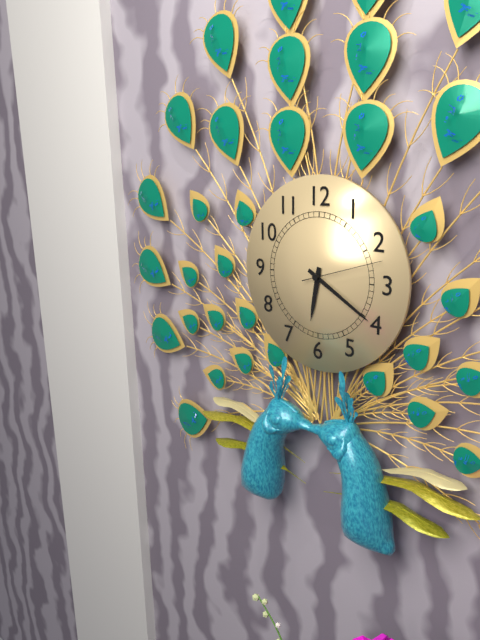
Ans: 6:20:12
